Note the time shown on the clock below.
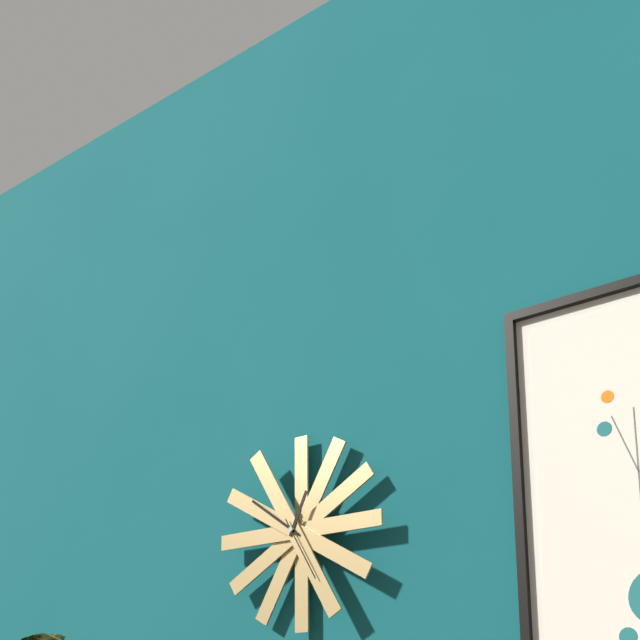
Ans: 12:51:25
